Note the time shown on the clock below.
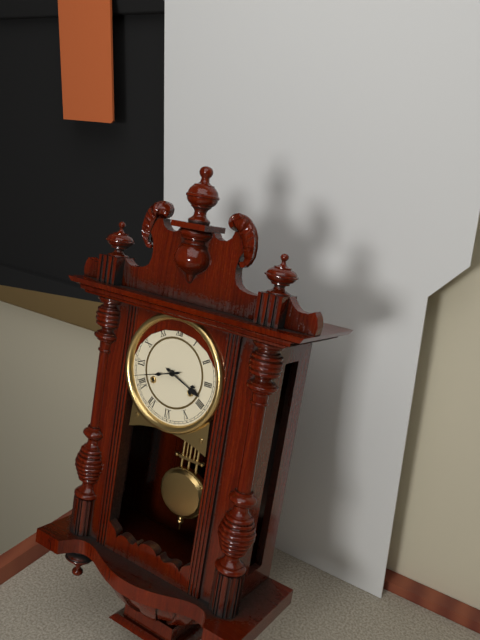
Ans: 3:42
